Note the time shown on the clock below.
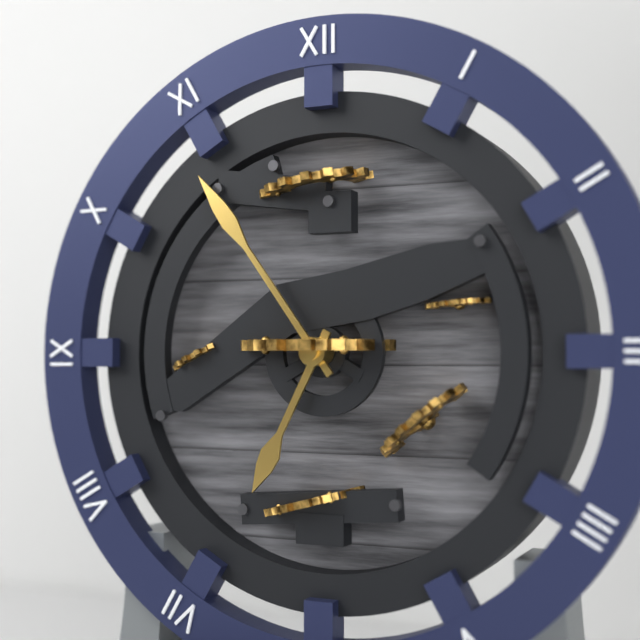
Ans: 6:54
